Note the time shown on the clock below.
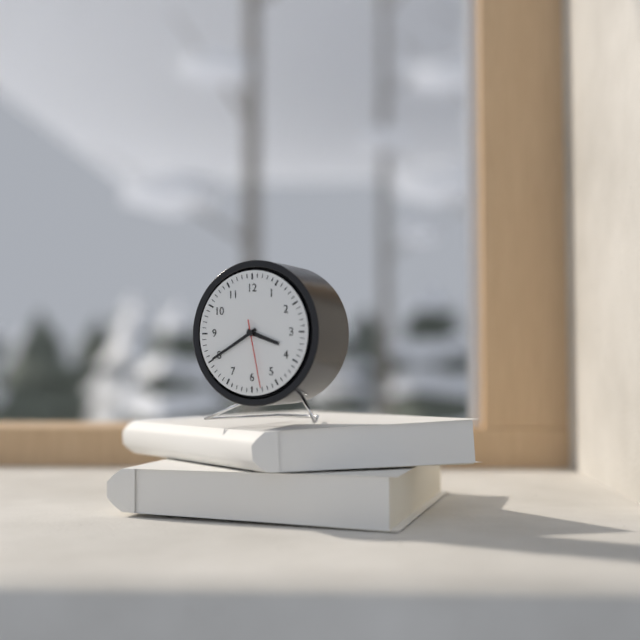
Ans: 3:40:28
